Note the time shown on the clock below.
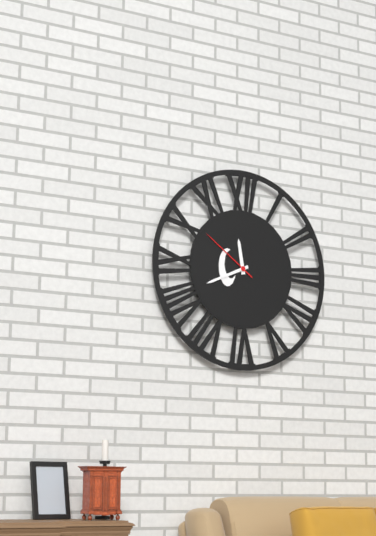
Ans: 11:41:51
